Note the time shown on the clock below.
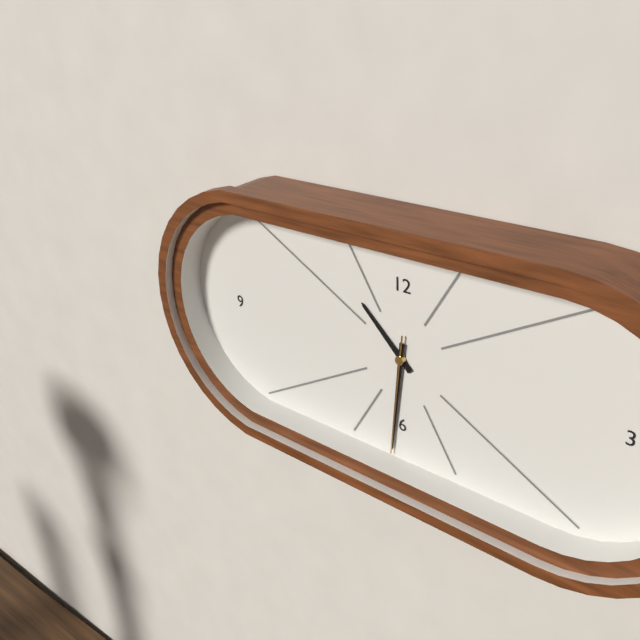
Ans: 10:31:31
